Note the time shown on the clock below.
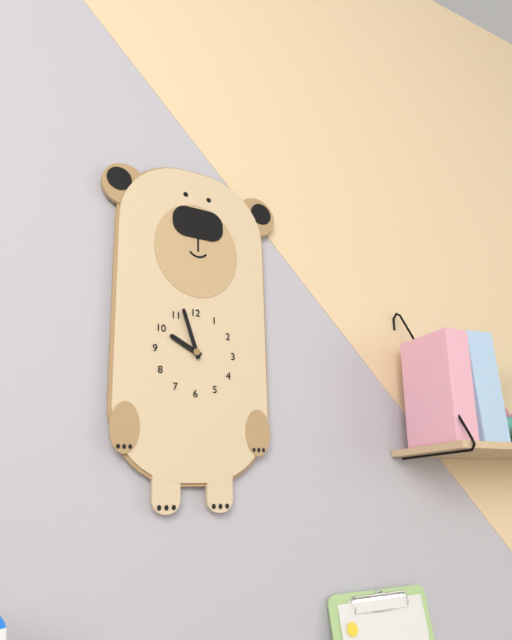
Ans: 9:57
